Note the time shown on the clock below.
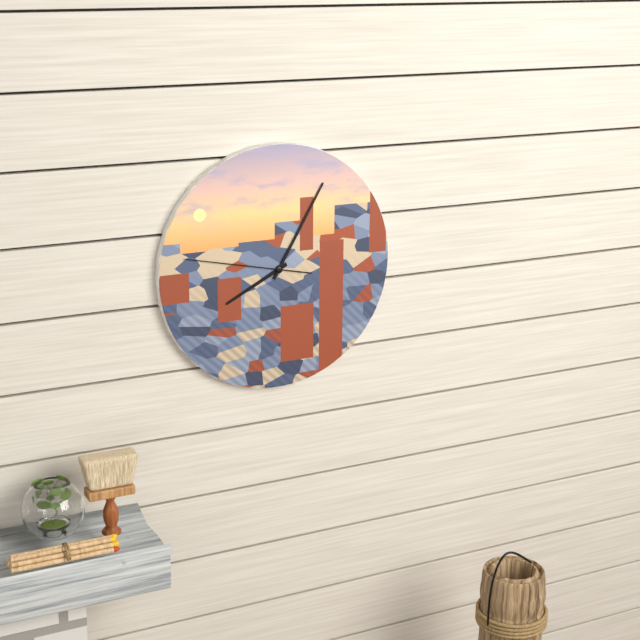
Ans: 8:05:47
